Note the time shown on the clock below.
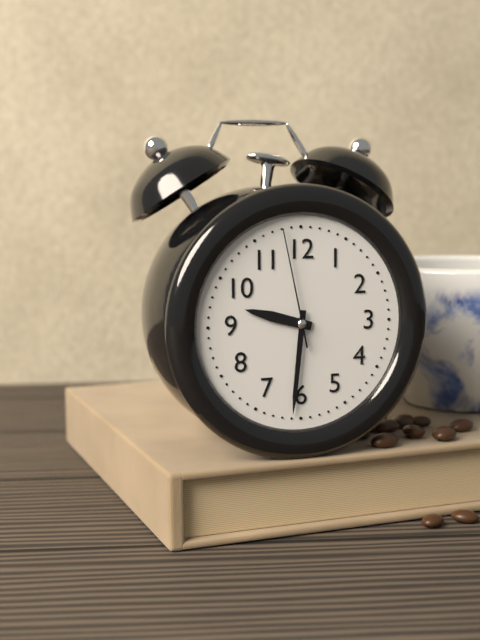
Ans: 9:31:58
